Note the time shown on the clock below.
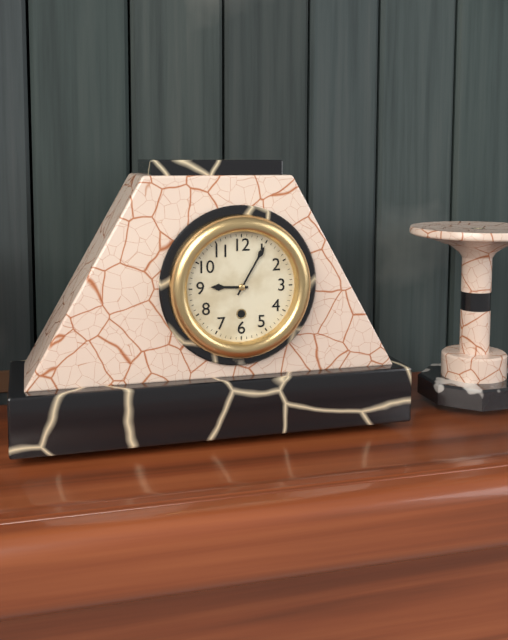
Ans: 9:05
